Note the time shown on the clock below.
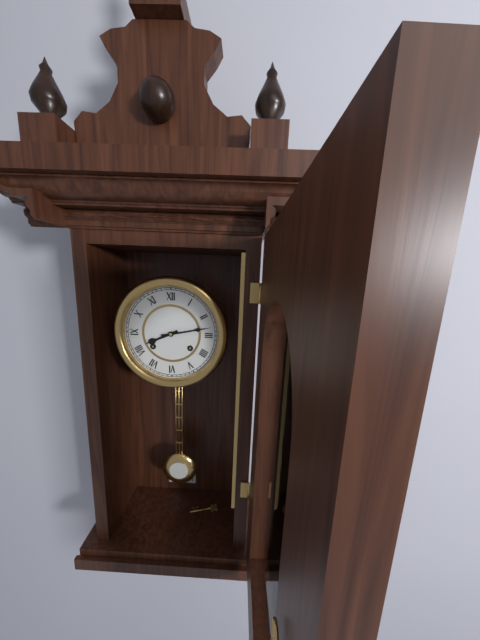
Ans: 8:13
